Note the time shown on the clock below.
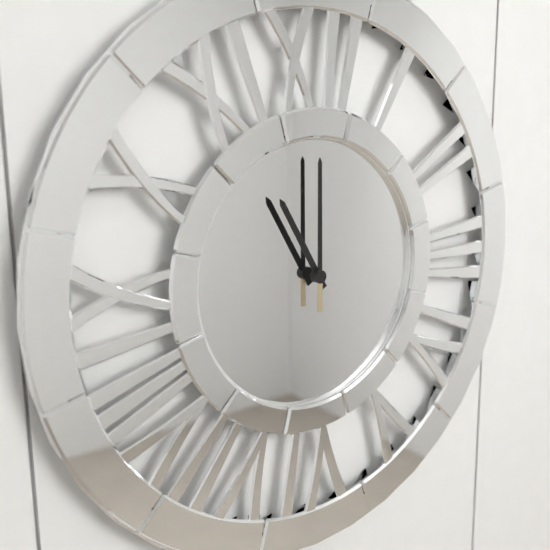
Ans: 11:00
